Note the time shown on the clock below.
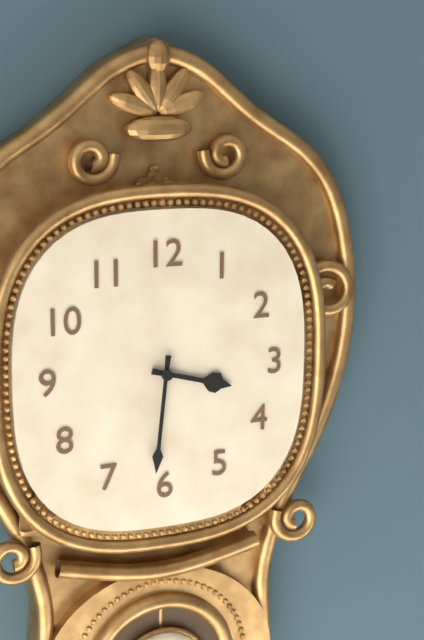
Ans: 3:31
